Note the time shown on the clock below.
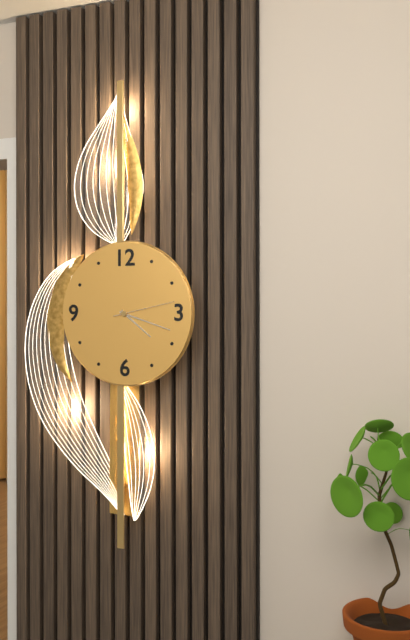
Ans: 4:18:13
